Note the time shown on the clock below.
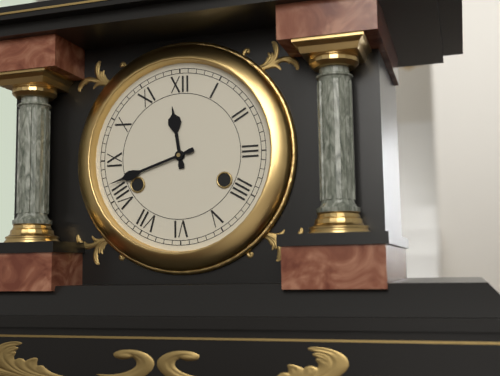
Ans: 11:42
